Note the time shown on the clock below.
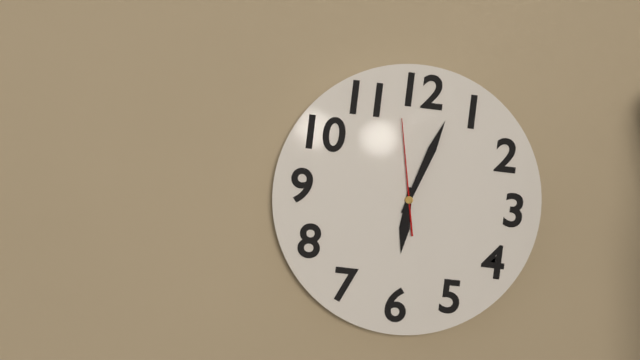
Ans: 6:03:58
